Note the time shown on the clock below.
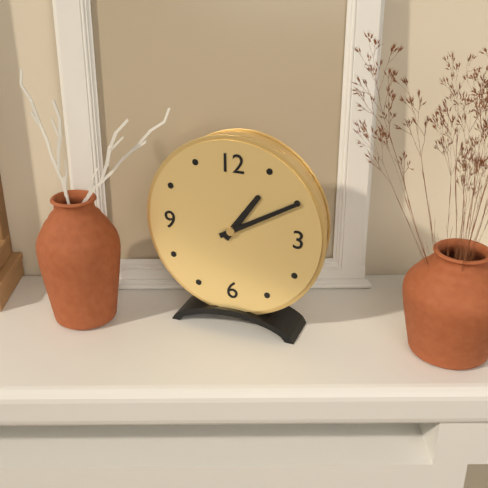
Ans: 1:10
